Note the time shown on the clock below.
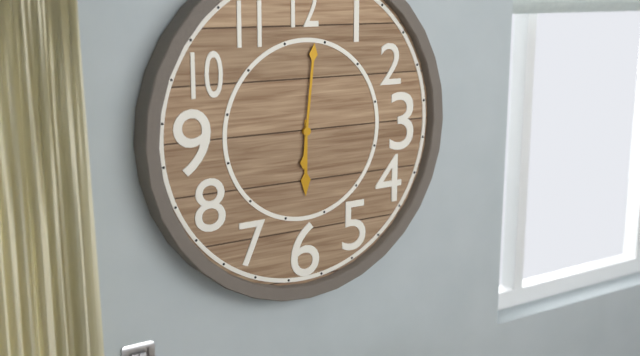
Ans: 6:01
